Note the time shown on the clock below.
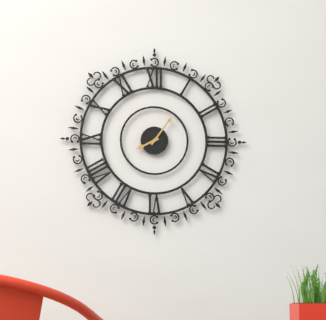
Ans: 8:06
